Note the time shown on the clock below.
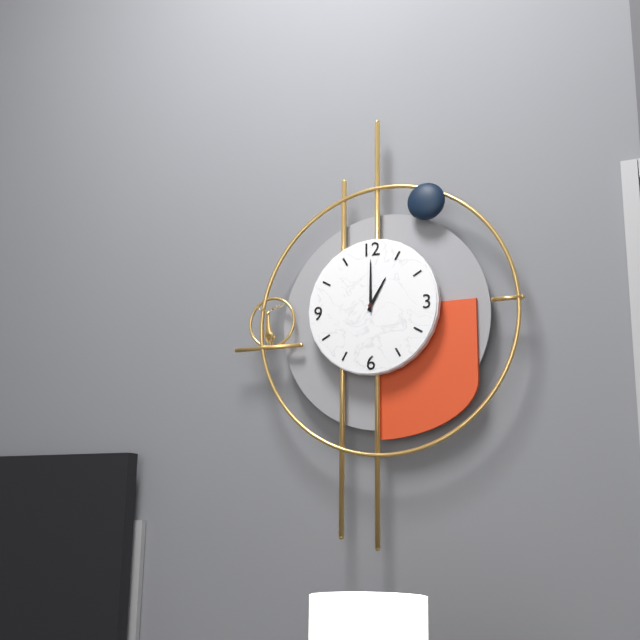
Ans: 1:00
